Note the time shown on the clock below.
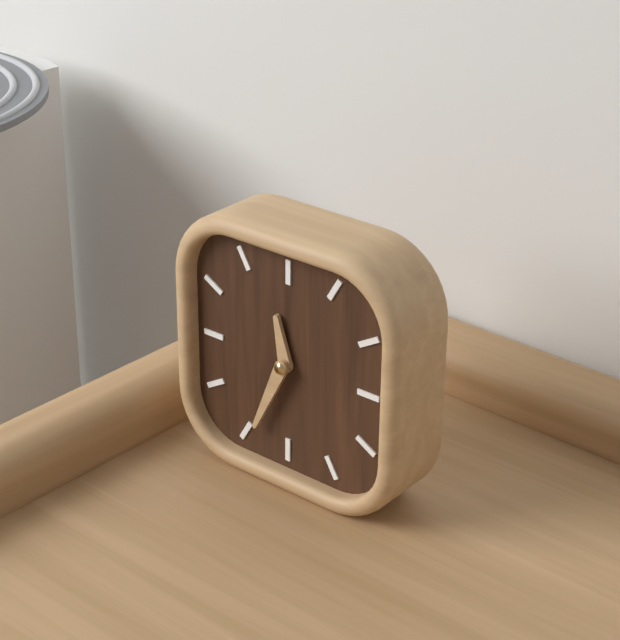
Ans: 11:34
